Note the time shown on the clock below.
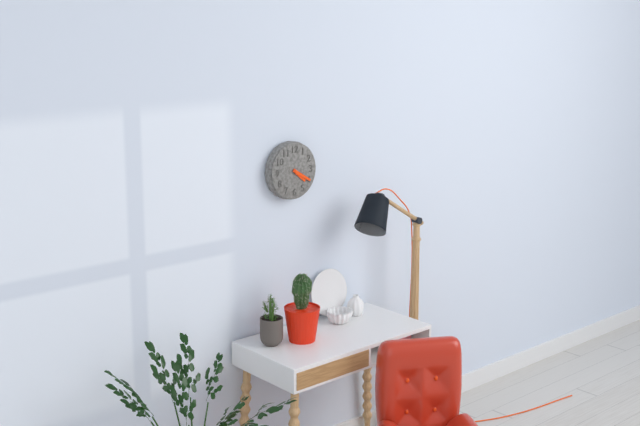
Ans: 4:20
